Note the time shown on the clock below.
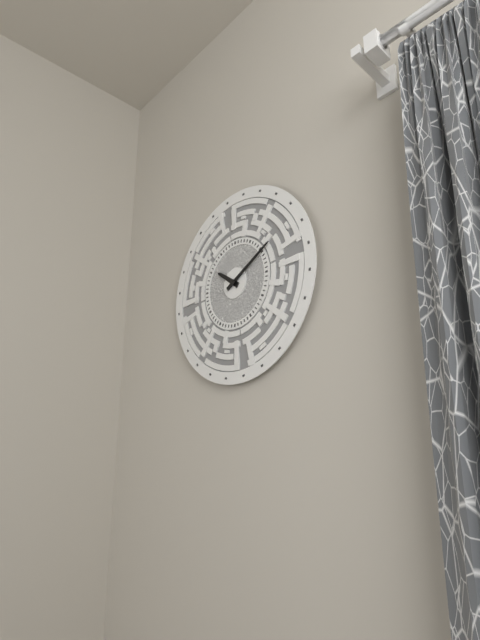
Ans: 10:10
